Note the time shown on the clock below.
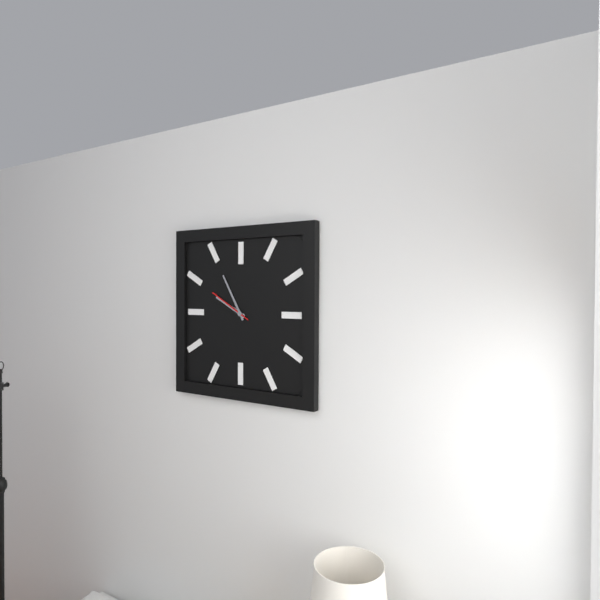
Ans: 9:55
